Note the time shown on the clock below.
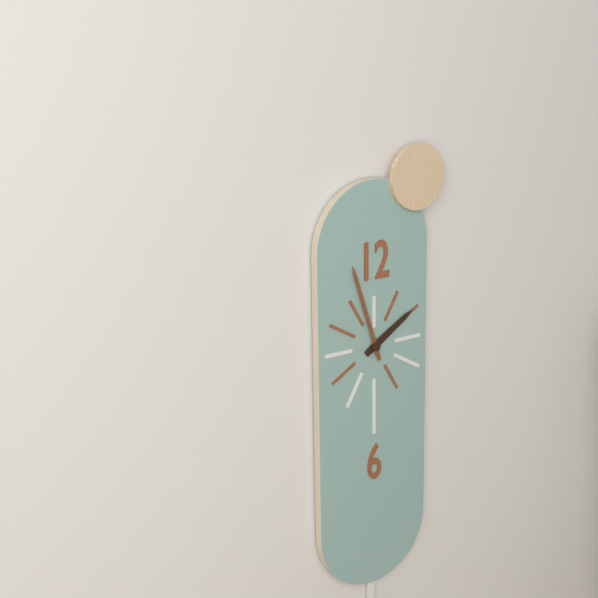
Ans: 1:57
